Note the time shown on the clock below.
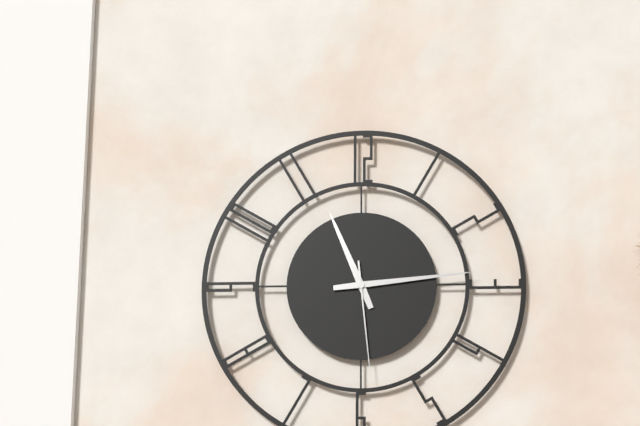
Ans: 11:14:29
